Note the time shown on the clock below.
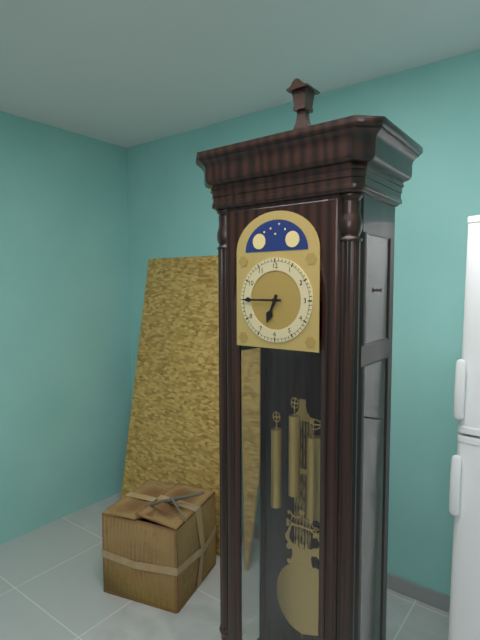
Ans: 6:45
